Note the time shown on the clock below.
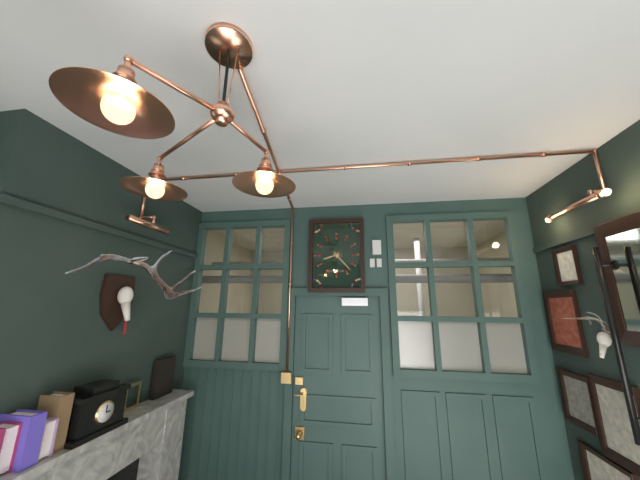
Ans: 8:23
